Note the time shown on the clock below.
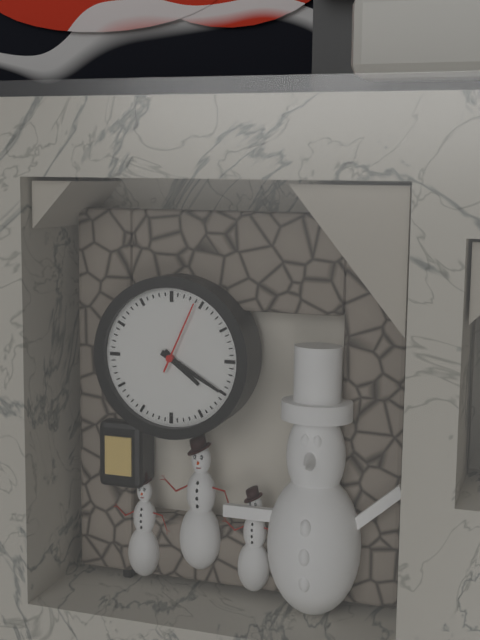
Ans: 4:20:04
